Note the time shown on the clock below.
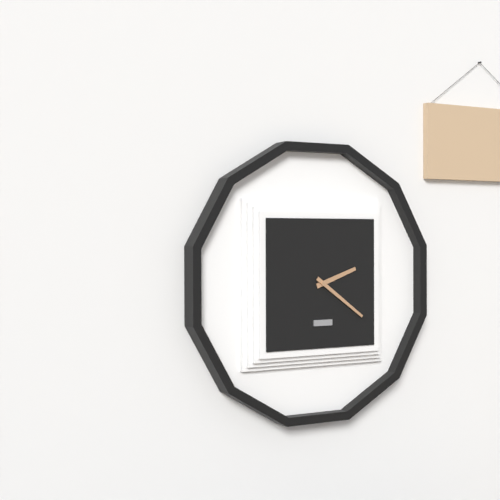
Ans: 2:21
